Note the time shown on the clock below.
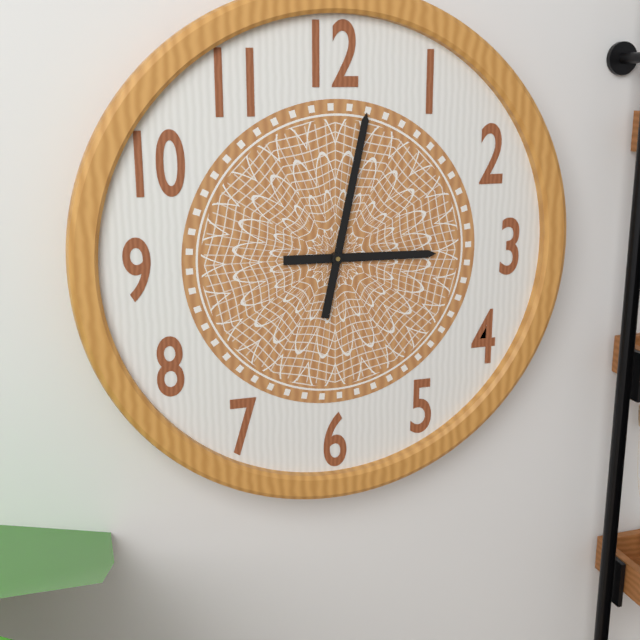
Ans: 3:02
